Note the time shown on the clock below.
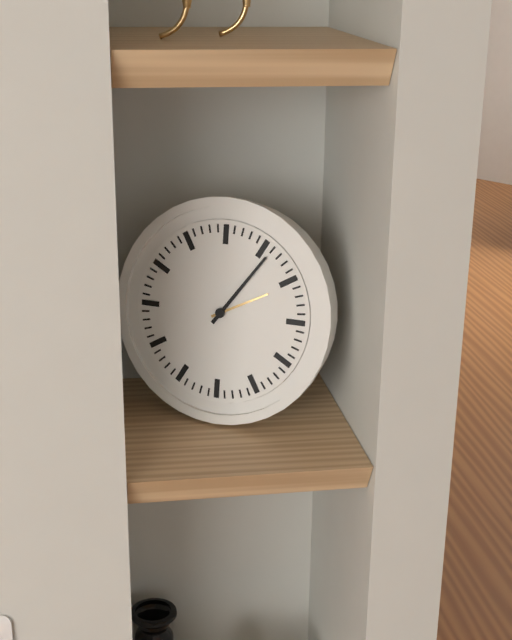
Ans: 2:06
